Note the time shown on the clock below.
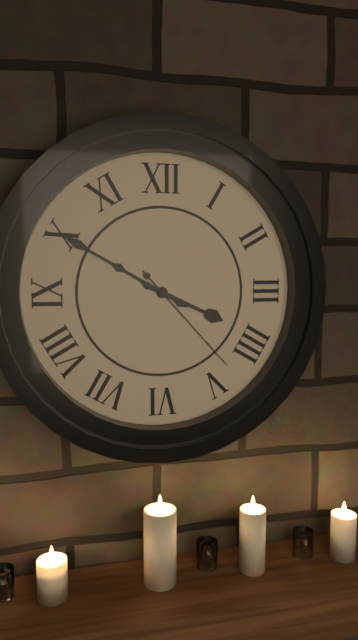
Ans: 3:50:23
